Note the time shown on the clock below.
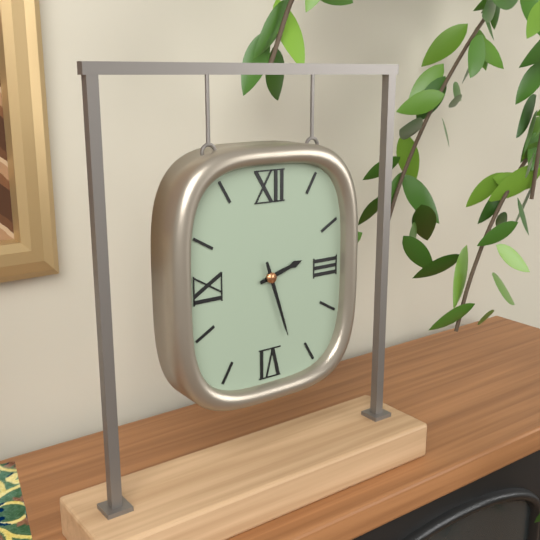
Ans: 2:27
